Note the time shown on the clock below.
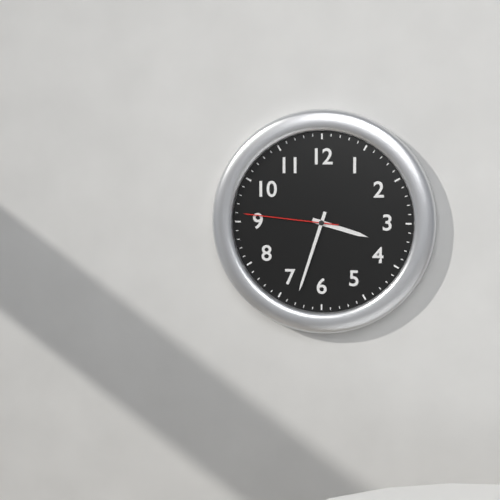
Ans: 3:33:46
